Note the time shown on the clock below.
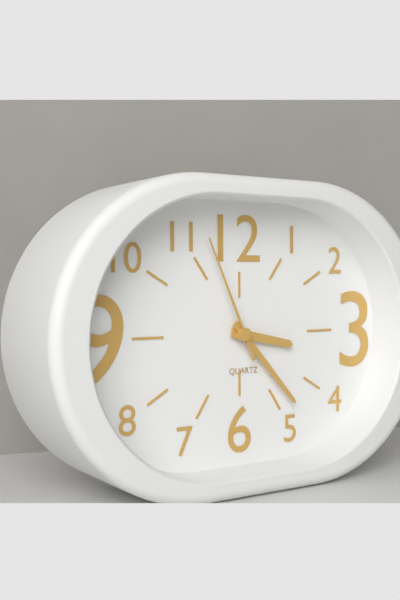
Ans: 3:23:56
